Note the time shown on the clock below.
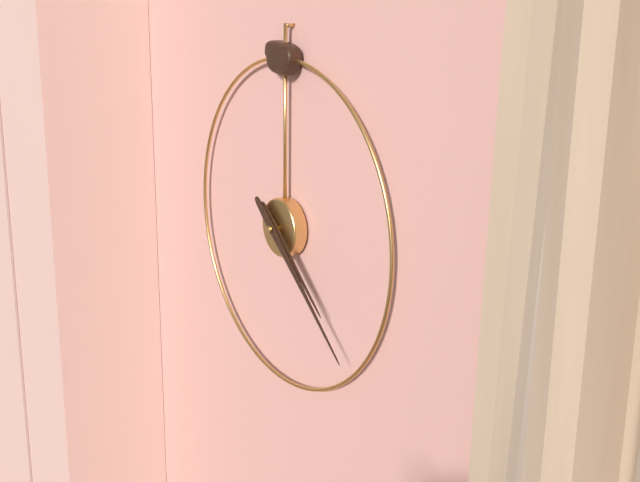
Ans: 4:22
